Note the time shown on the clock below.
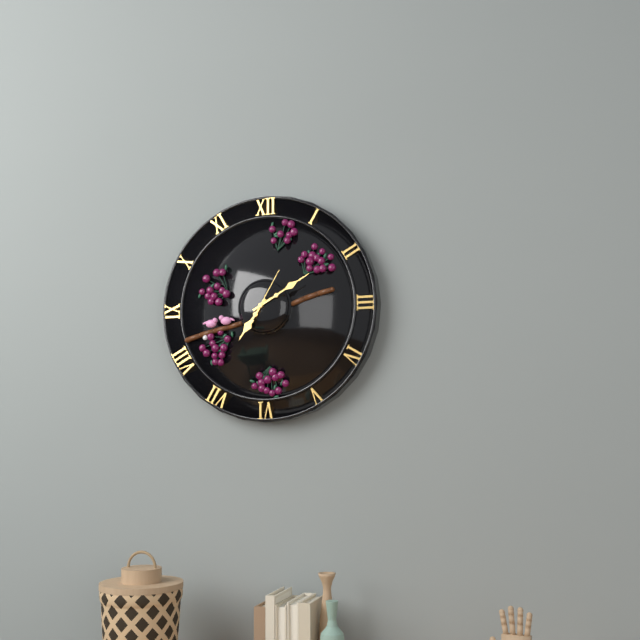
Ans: 7:10:05
